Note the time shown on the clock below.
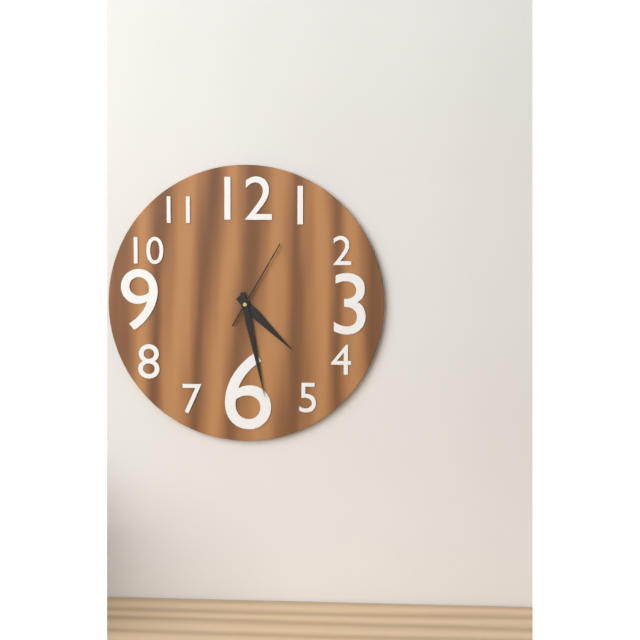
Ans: 4:28:05
